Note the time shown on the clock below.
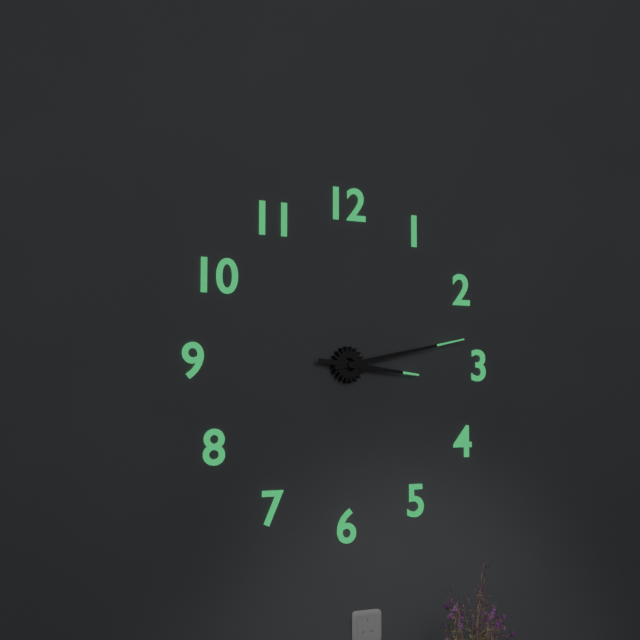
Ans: 3:13
